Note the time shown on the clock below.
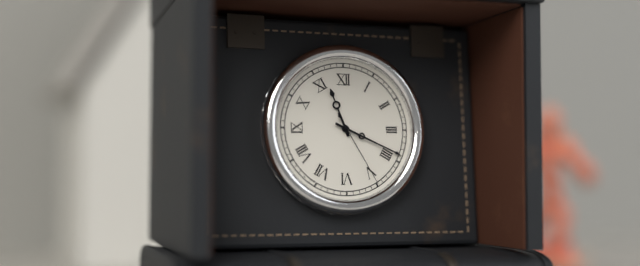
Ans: 11:19:25
